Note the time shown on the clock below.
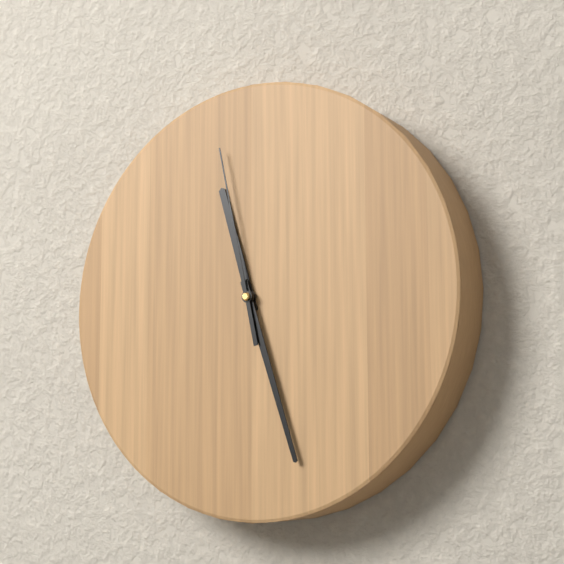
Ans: 11:27:58
